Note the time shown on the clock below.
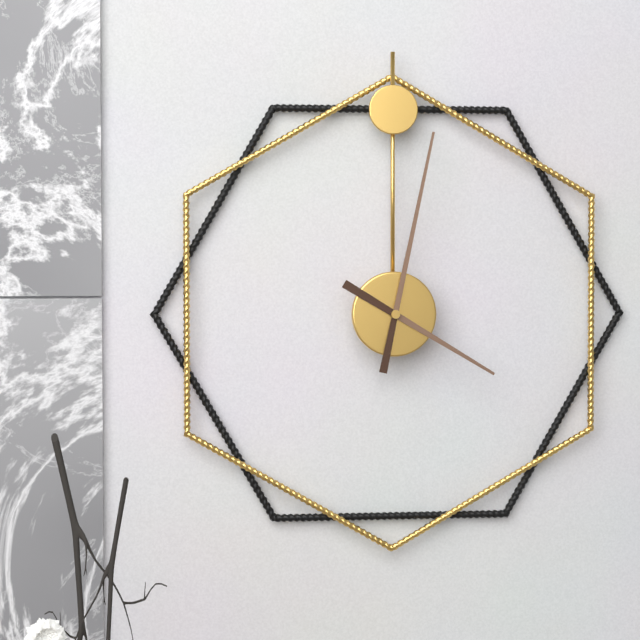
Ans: 4:02
